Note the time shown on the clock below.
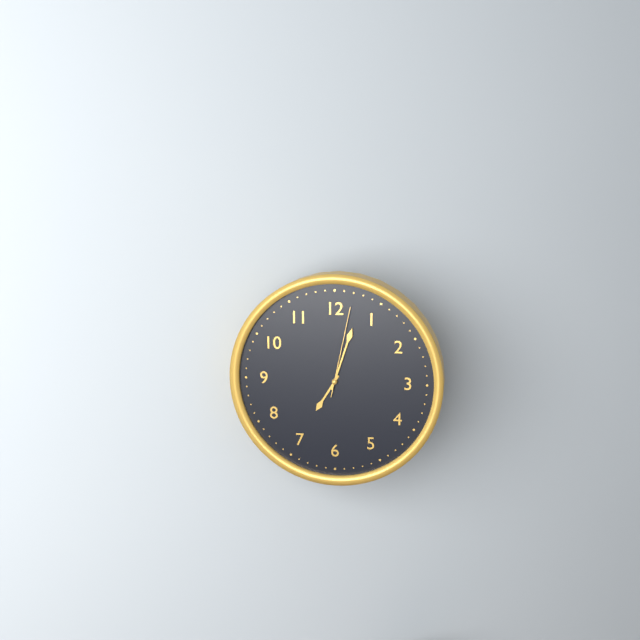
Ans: 7:03:02
